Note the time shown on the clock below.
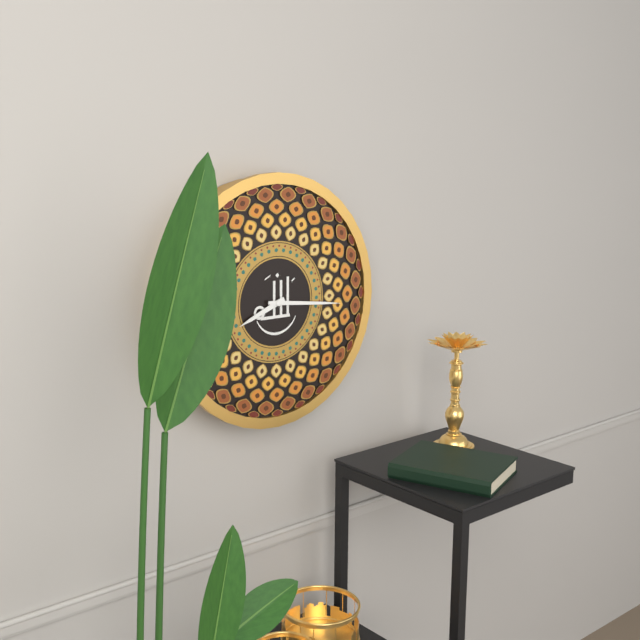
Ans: 8:16
